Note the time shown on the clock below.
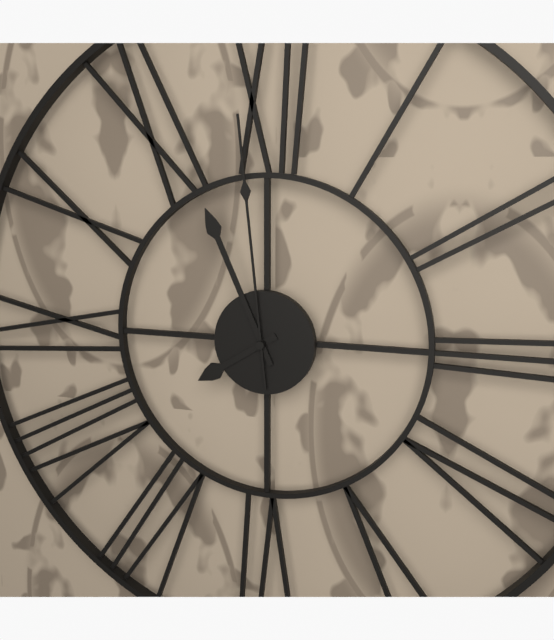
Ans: 7:56:59
